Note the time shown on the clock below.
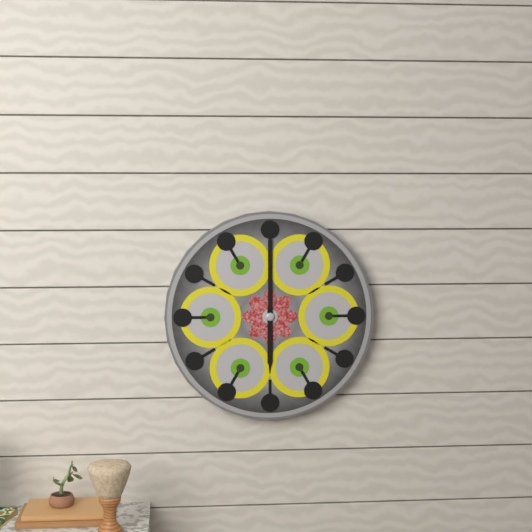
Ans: 6:00
